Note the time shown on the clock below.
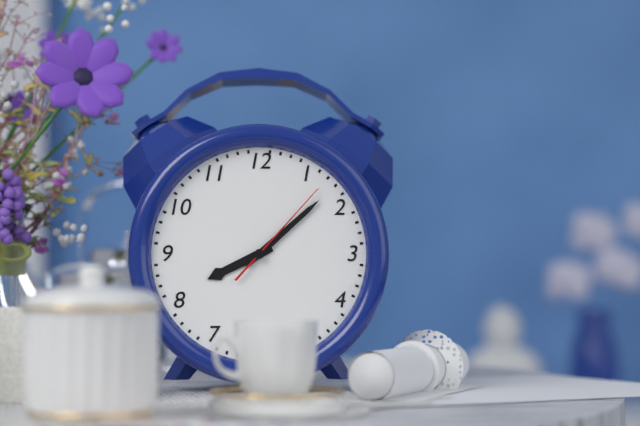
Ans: 8:08:07
